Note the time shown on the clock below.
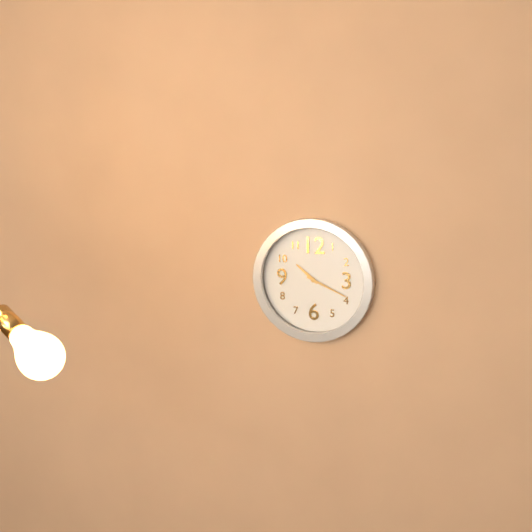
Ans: 10:19
